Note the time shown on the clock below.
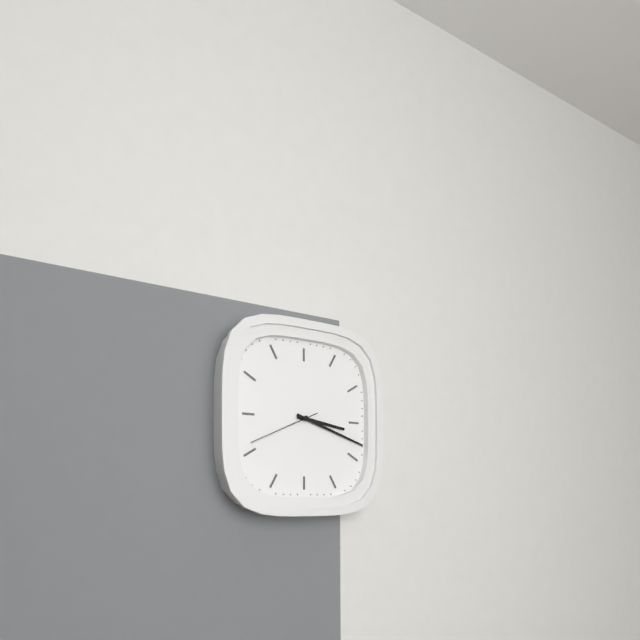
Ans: 3:18:41
